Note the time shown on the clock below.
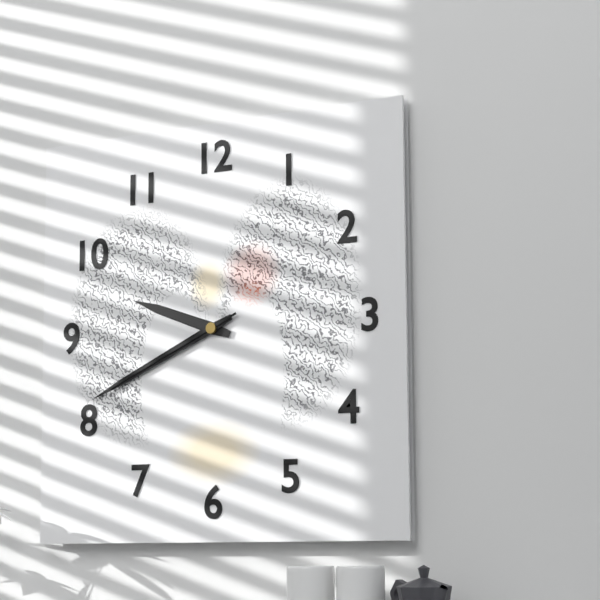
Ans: 9:41:41
